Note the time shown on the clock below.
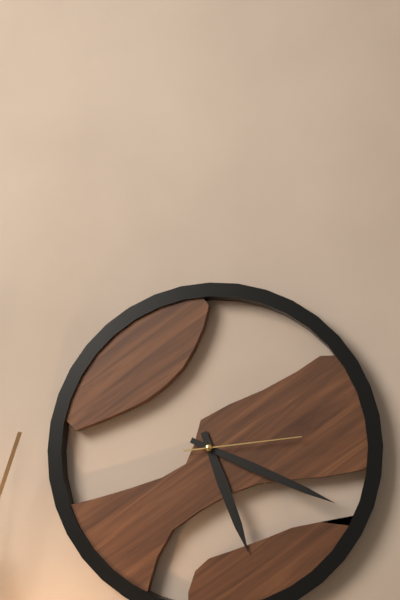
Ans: 5:19:14
